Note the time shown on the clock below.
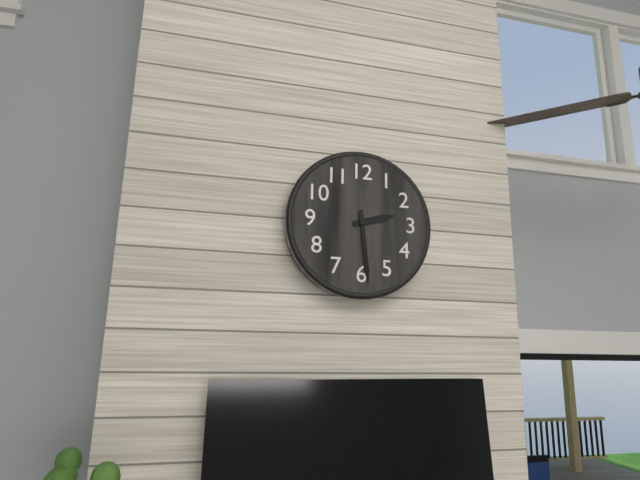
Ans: 2:29
